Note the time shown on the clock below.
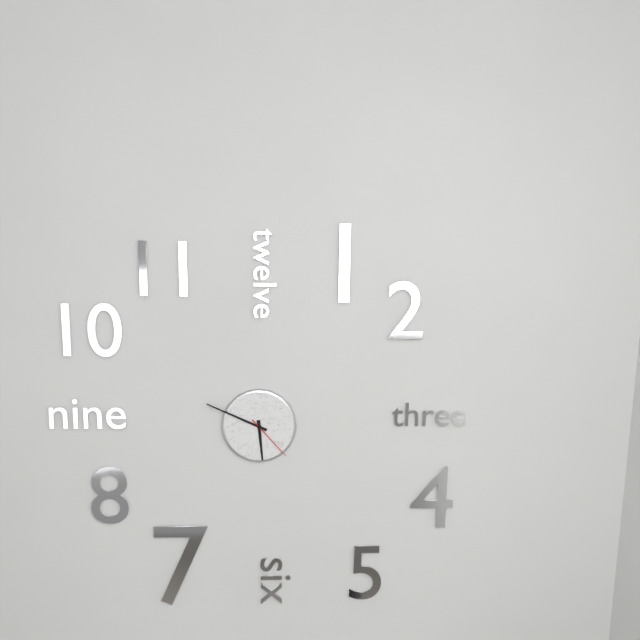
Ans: 5:49
